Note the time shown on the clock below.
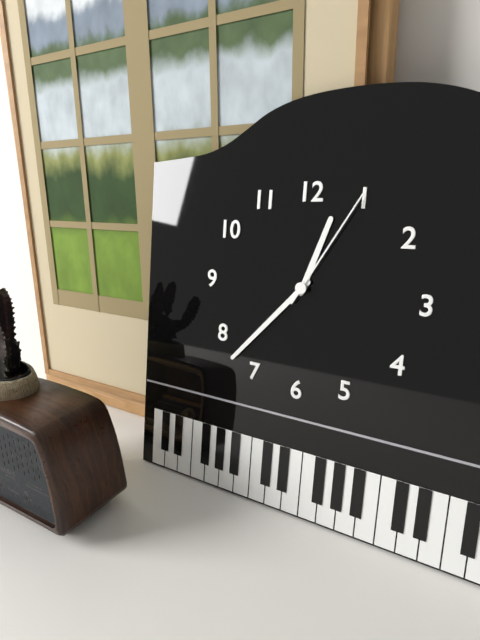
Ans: 12:37:05
